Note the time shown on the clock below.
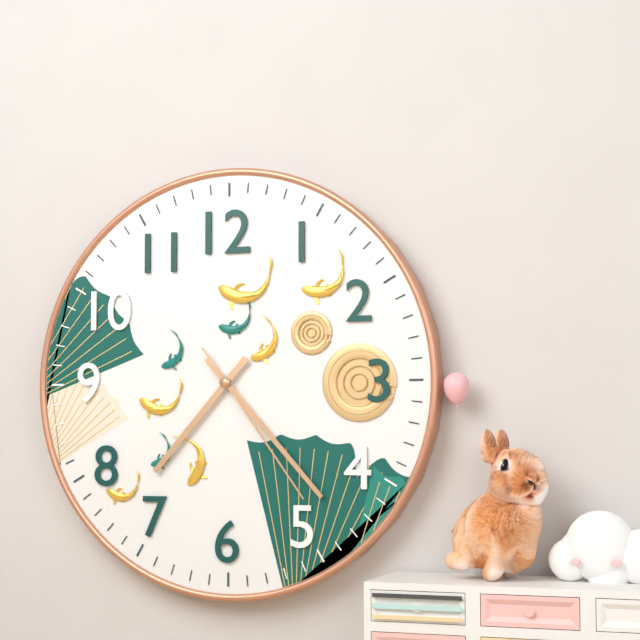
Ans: 7:23:24
